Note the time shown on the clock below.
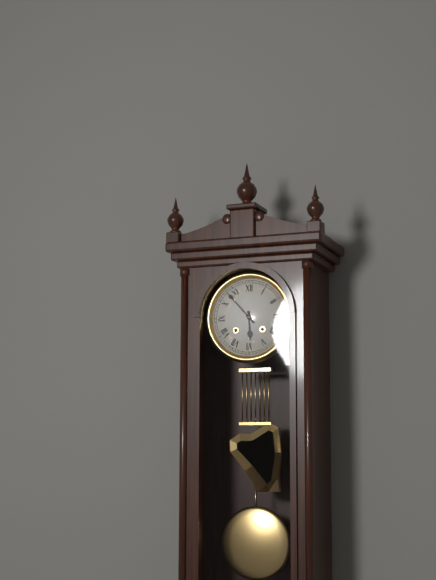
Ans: 5:53
